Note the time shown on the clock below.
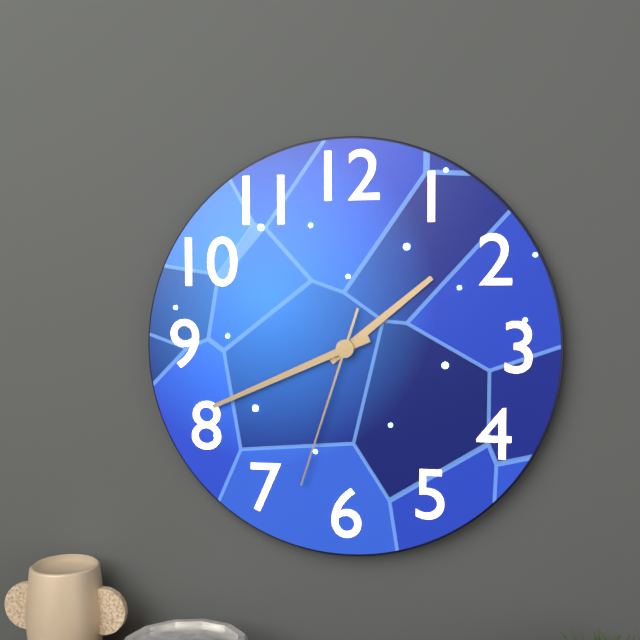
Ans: 1:41:33
